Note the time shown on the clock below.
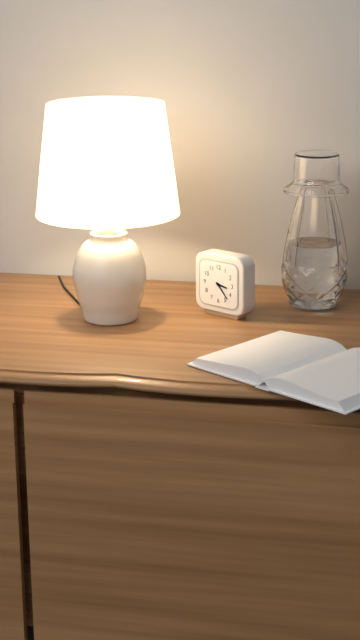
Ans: 3:23
